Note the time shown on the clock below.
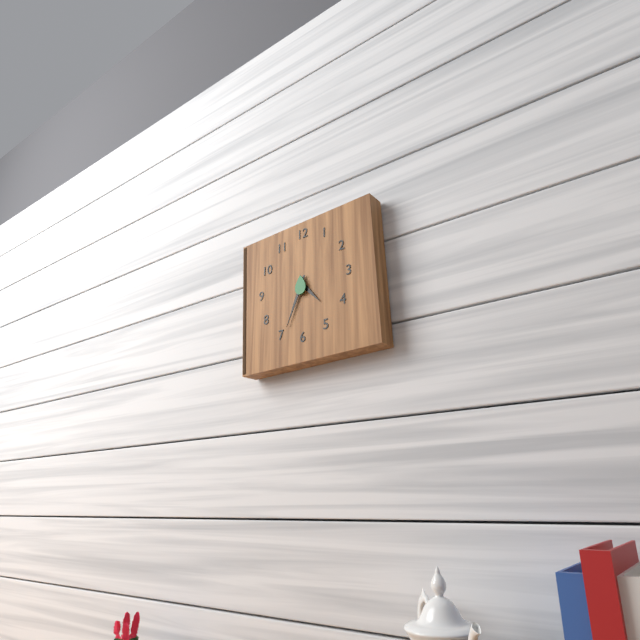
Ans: 4:34
